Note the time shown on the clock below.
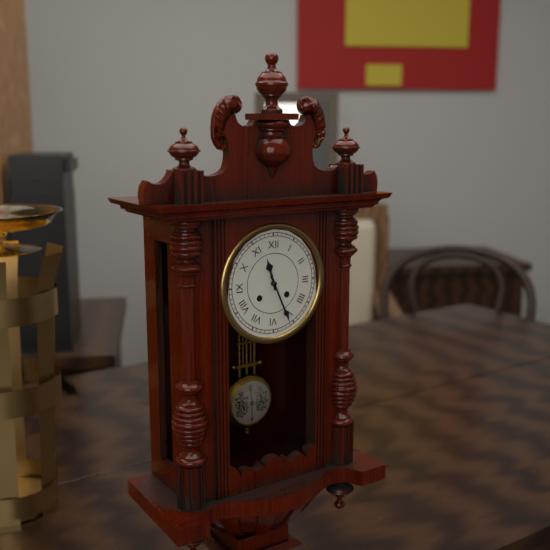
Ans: 11:26
